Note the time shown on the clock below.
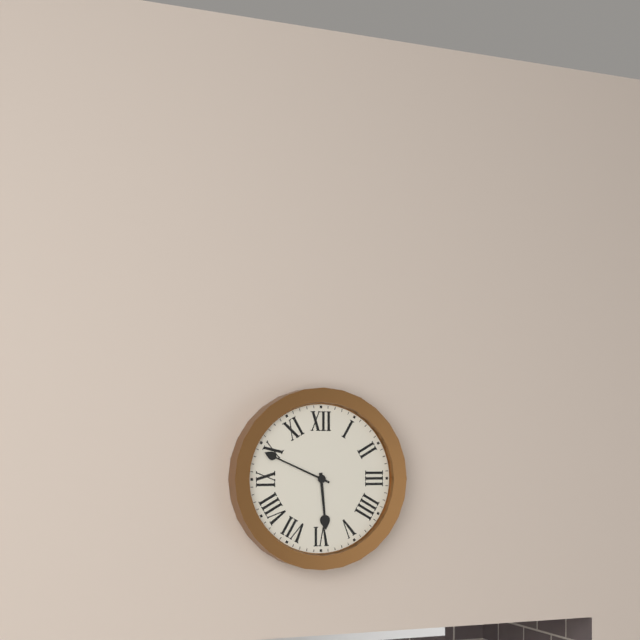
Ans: 5:49
